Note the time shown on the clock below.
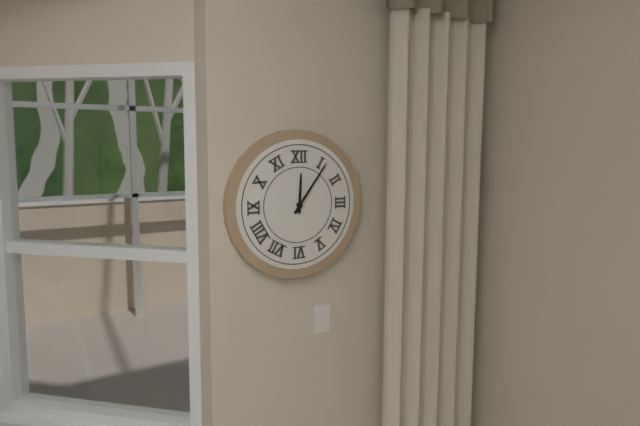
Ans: 12:06
